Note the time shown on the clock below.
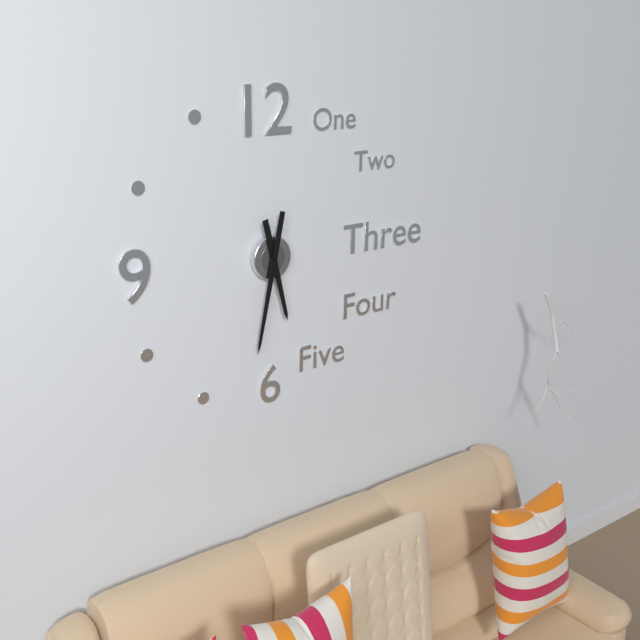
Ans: 5:32
